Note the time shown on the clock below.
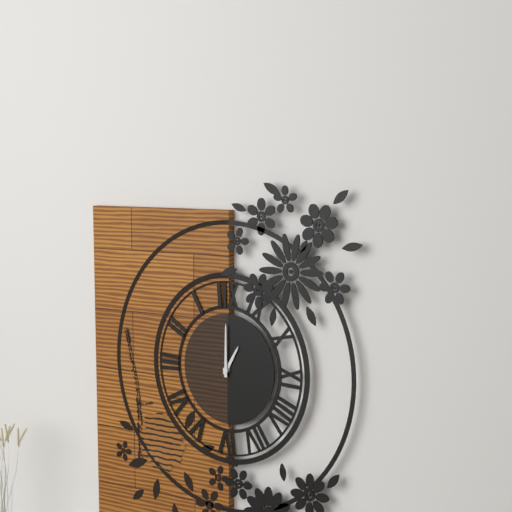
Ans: 1:00
